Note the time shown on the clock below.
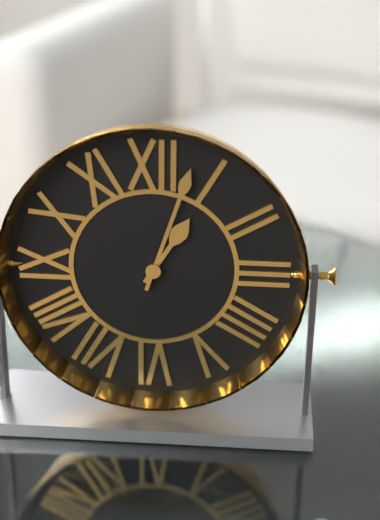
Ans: 1:03
